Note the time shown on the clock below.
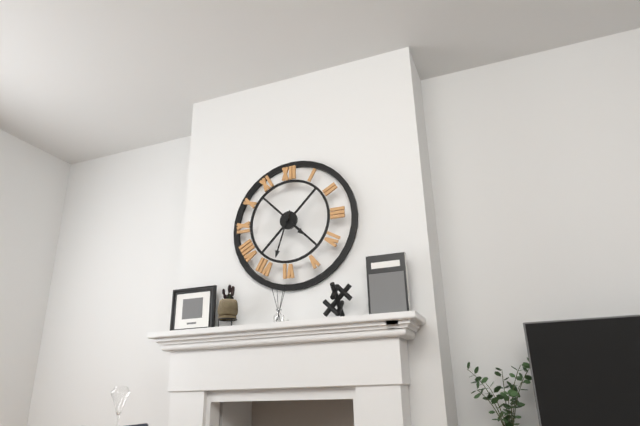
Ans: 4:33
